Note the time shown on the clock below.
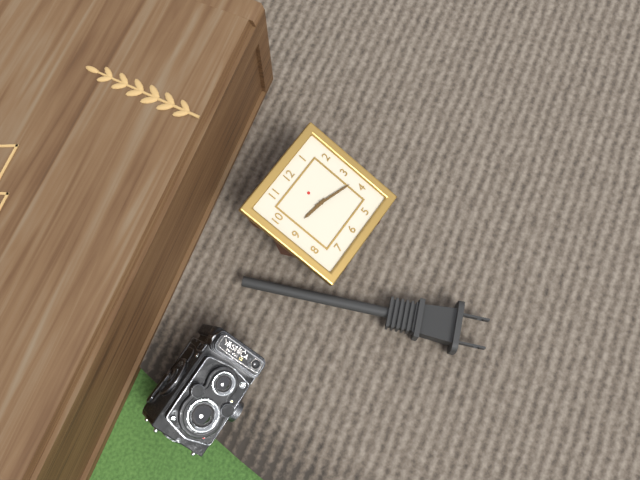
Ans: 9:18
